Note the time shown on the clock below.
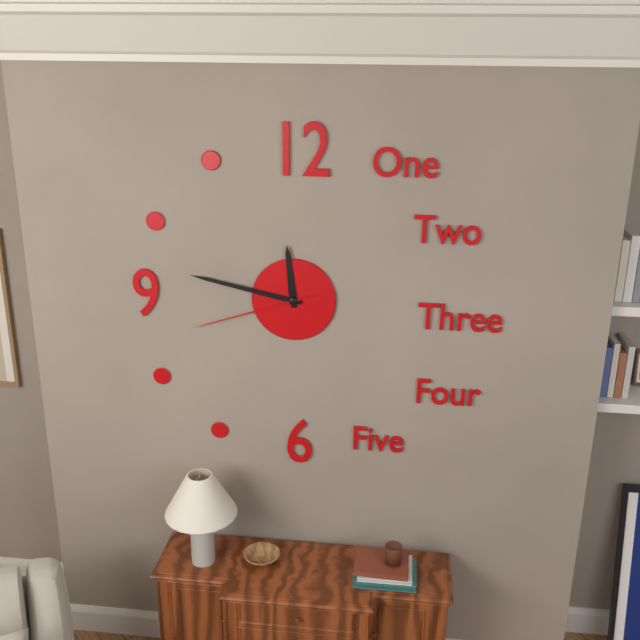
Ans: 11:47:42
